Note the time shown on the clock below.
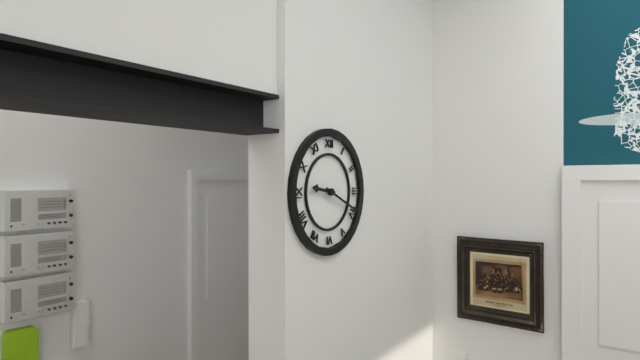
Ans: 9:19
